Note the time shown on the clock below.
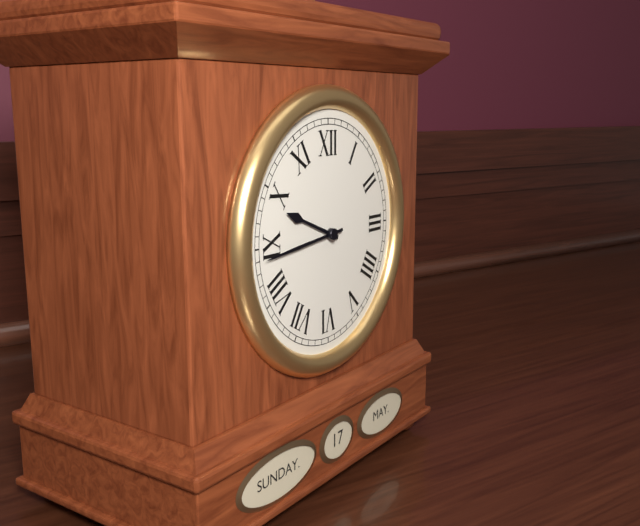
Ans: 9:44
